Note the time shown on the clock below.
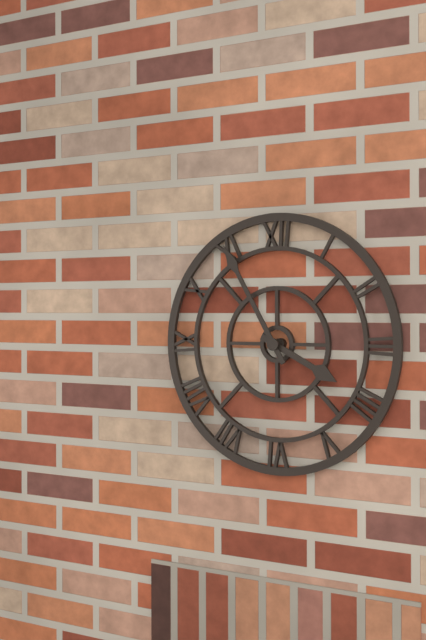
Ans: 3:55
